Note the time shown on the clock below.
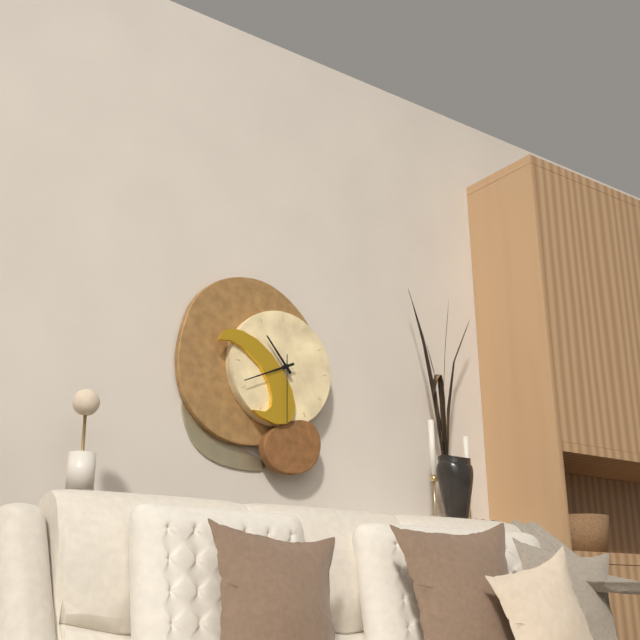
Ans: 10:41:30
